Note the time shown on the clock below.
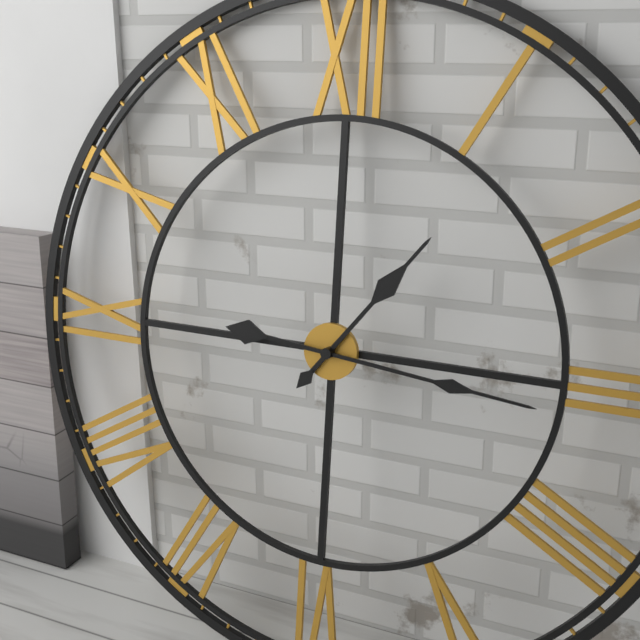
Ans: 1:16
